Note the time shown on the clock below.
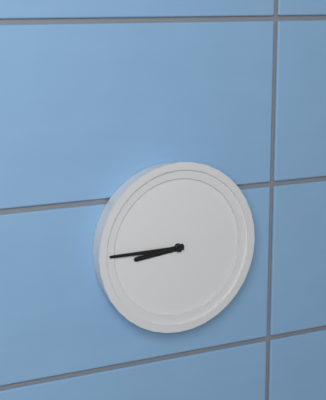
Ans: 8:45
